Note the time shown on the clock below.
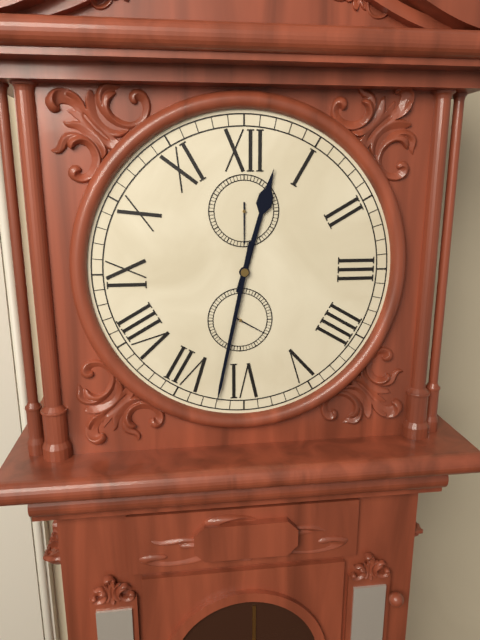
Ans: 12:32
